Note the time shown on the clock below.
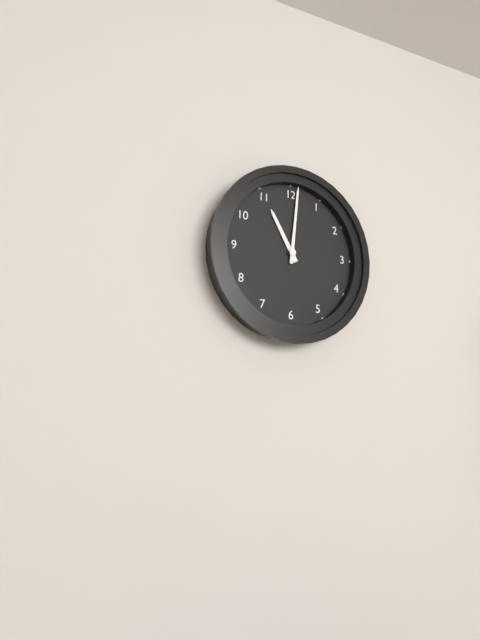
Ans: 11:01
